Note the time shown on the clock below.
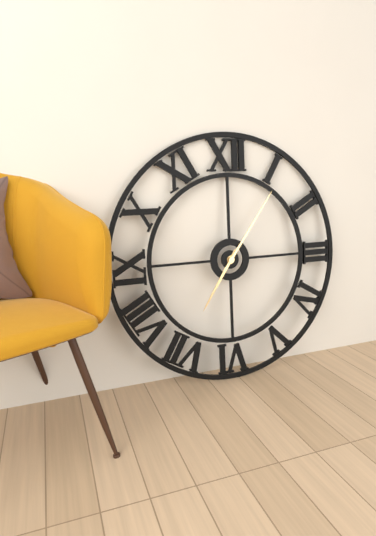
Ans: 7:06
